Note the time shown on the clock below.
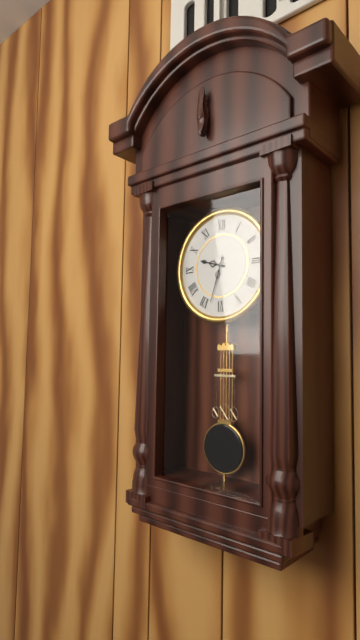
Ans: 9:33
